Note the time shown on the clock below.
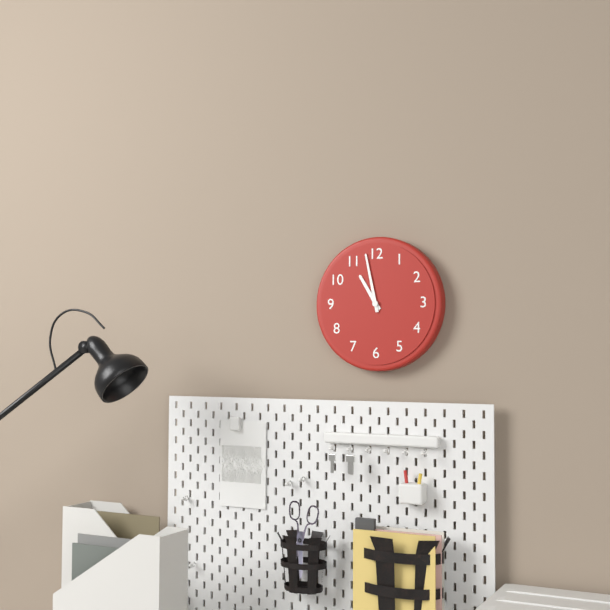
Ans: 10:58
